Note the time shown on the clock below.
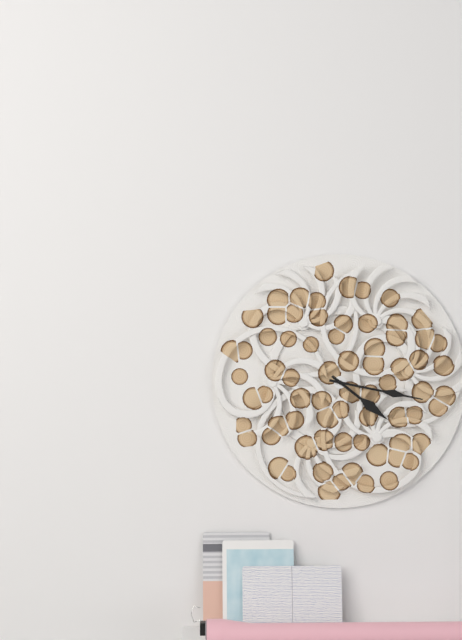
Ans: 4:17
